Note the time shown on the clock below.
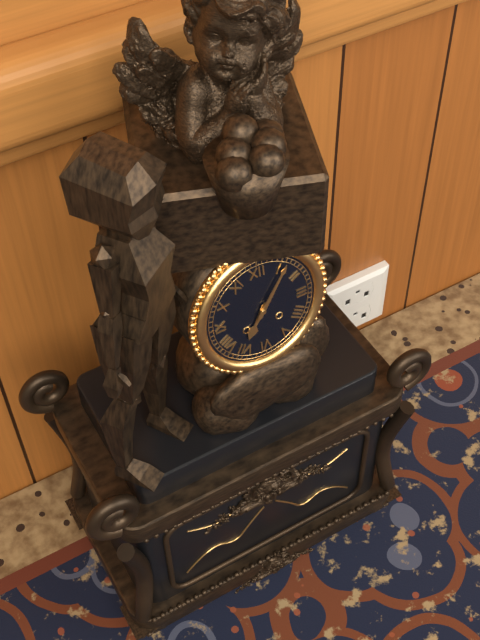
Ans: 7:06
